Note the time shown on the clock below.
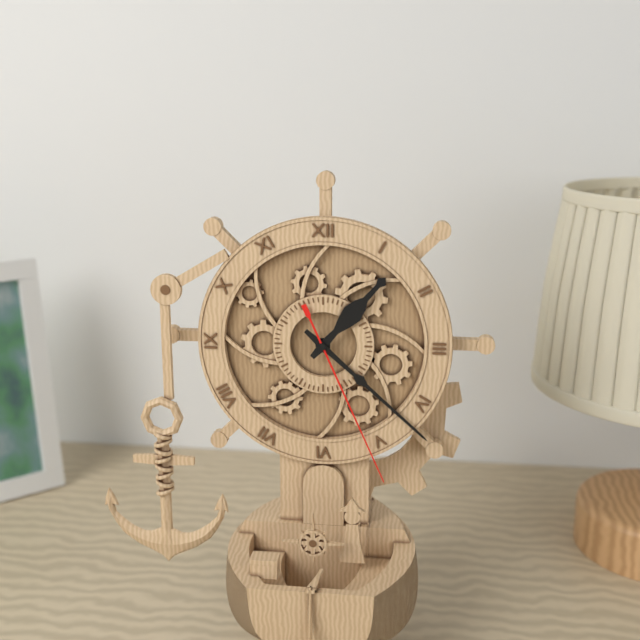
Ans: 1:22:26
